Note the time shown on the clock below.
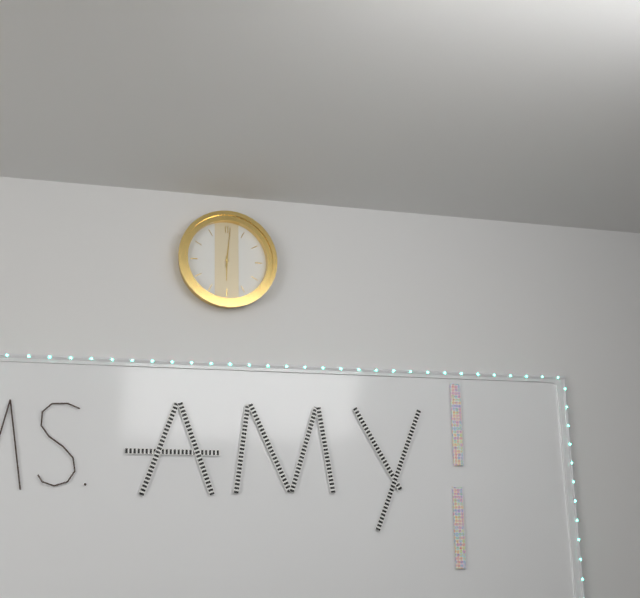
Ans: 6:01
